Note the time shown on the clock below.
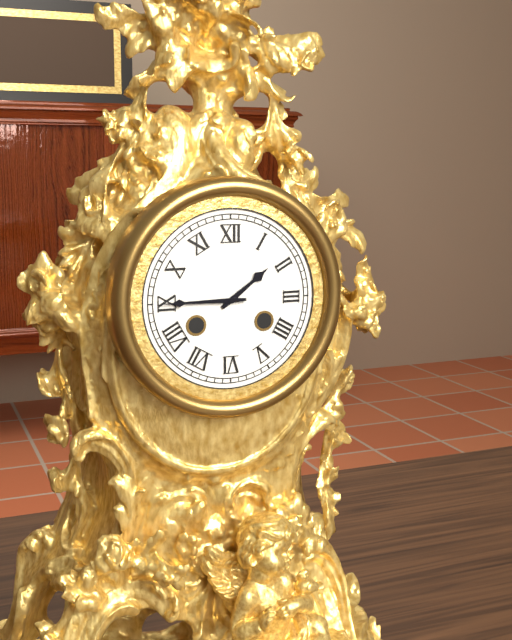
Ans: 1:45
